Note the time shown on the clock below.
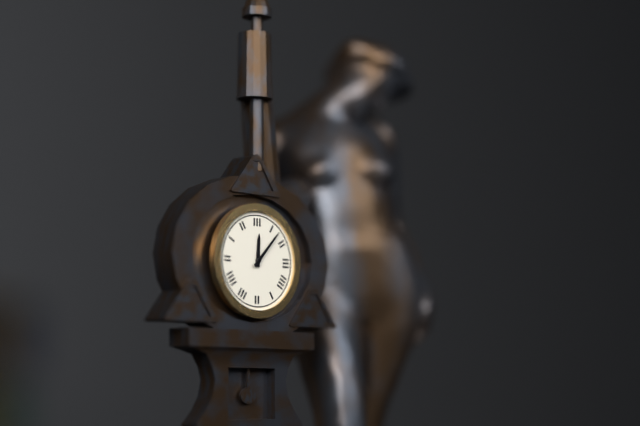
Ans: 12:07
